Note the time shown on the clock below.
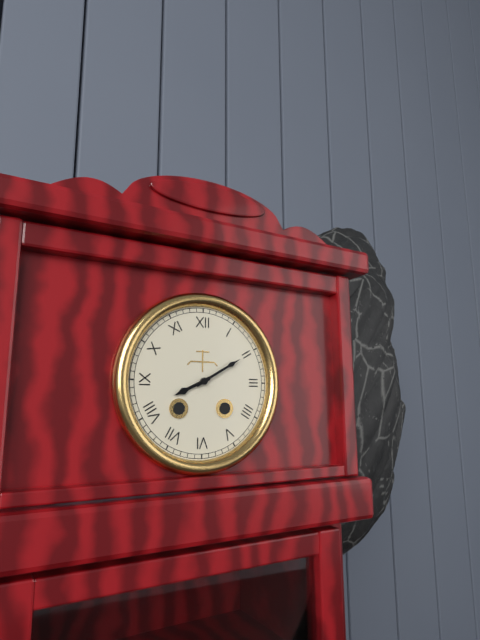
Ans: 8:10
